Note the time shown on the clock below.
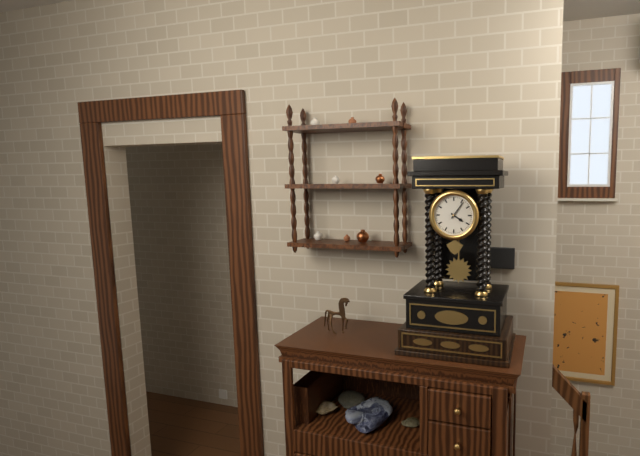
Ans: 4:06
